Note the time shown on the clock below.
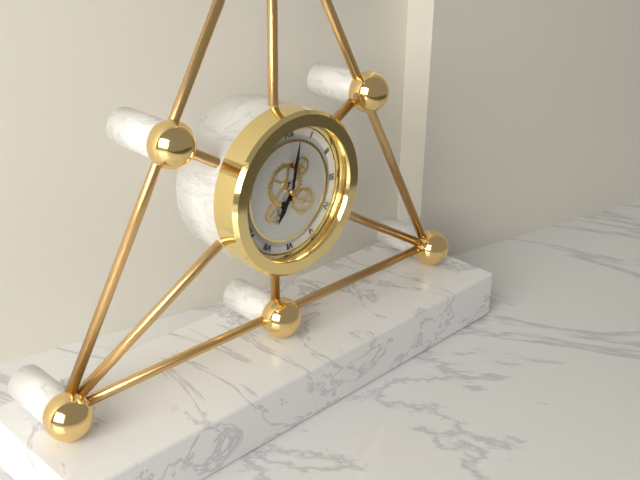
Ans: 7:02
